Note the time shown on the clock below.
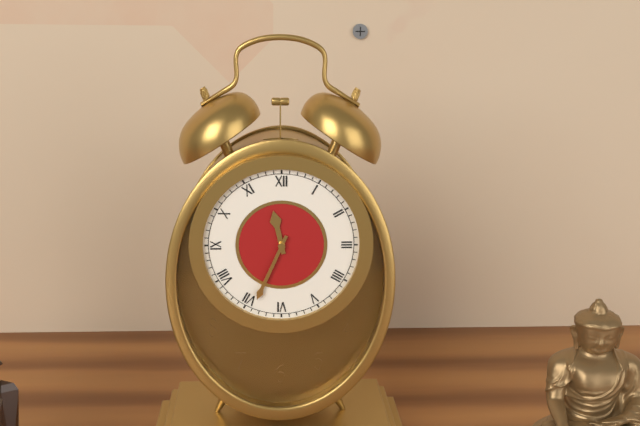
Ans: 11:34
